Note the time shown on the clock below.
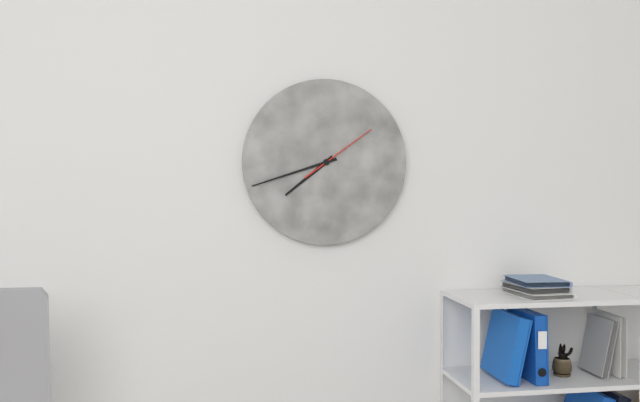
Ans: 7:42:09
